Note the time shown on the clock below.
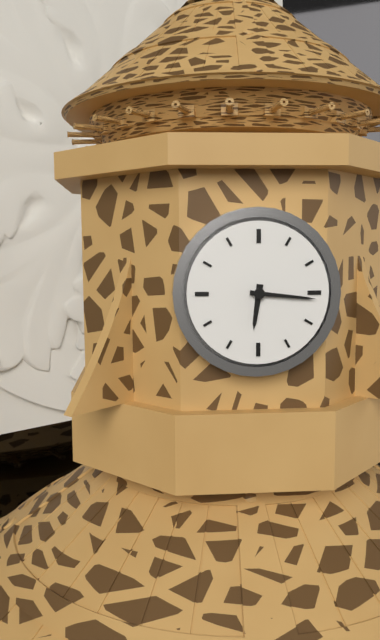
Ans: 6:16
